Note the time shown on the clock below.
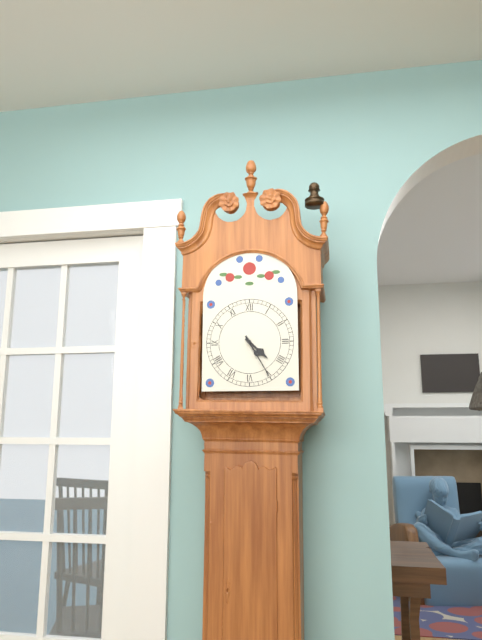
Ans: 4:25
